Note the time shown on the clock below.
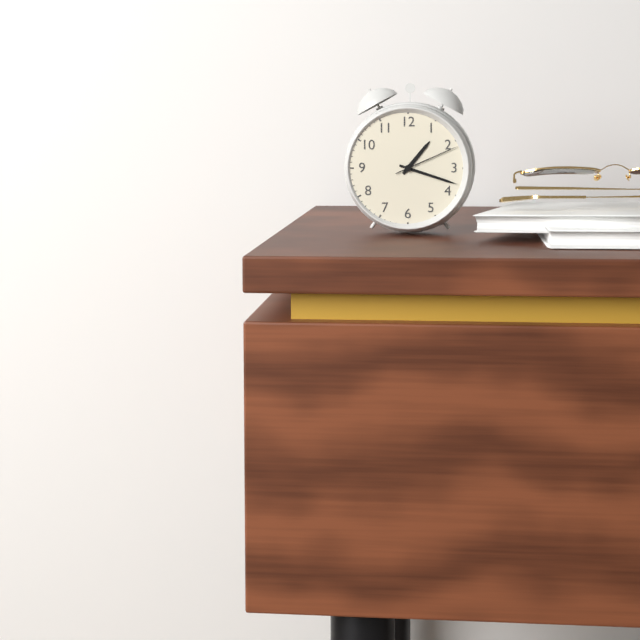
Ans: 1:18:11
